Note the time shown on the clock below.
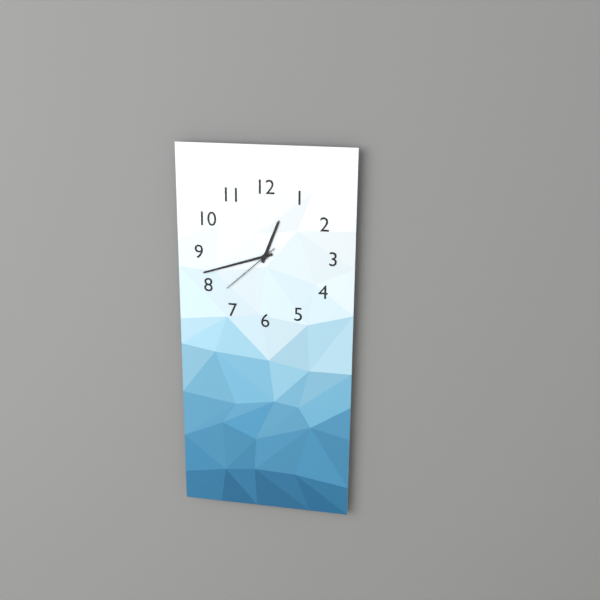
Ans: 12:42:38
